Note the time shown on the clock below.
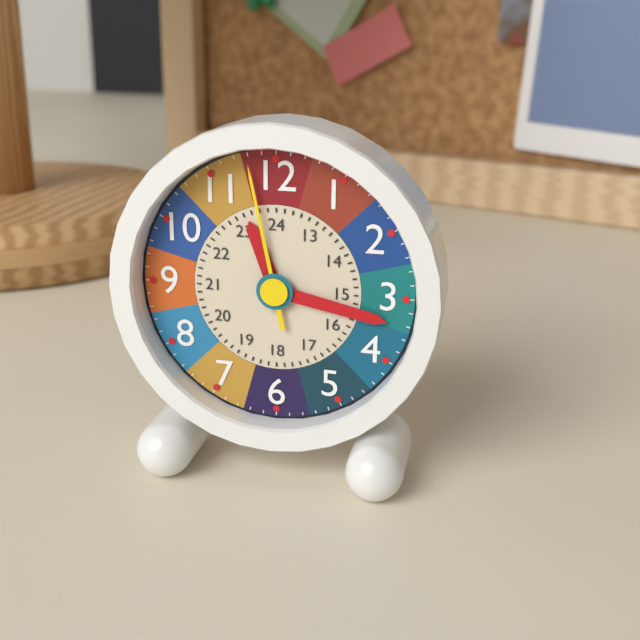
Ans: 11:17:58
